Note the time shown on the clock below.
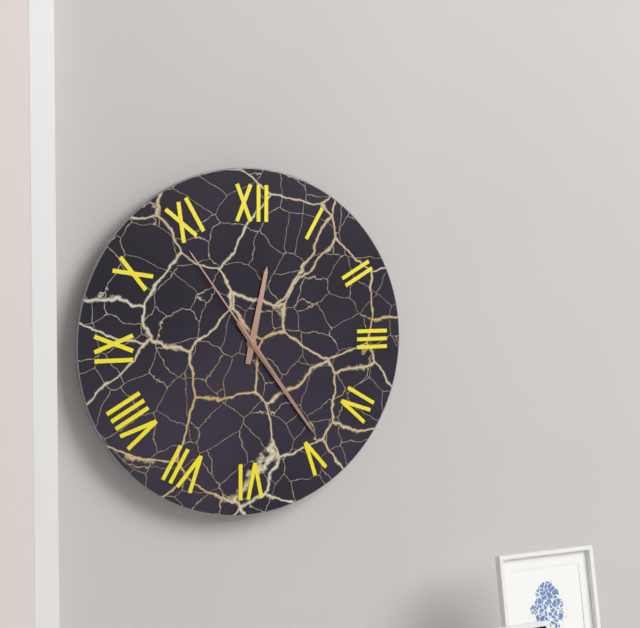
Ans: 12:24:54
